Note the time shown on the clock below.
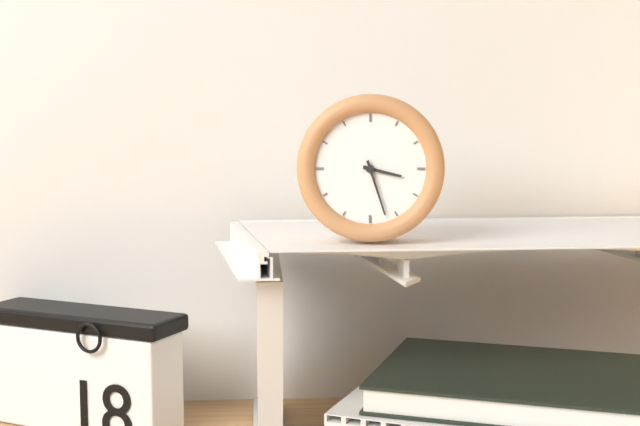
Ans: 3:27
